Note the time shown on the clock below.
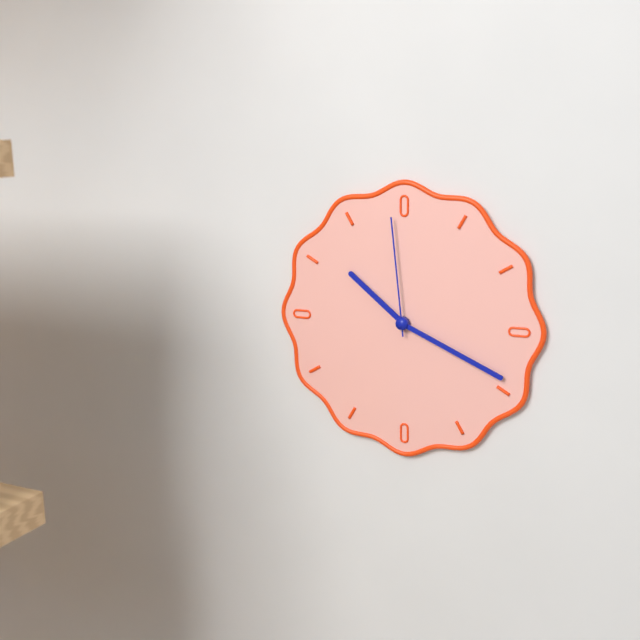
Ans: 10:19:59
